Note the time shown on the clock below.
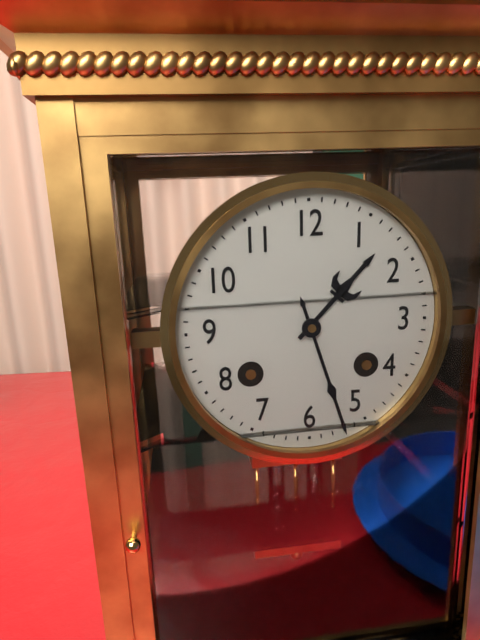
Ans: 1:27
